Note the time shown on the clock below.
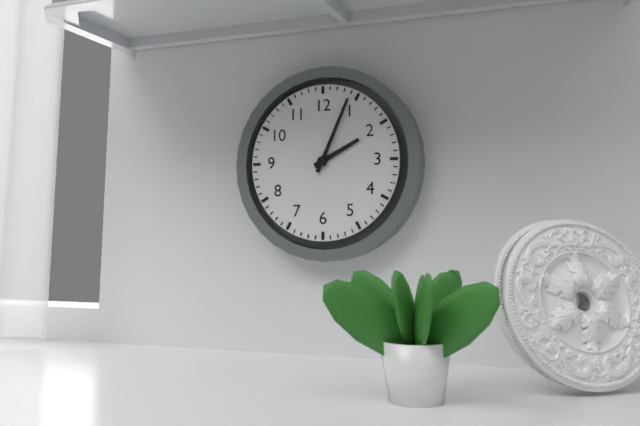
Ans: 2:04
